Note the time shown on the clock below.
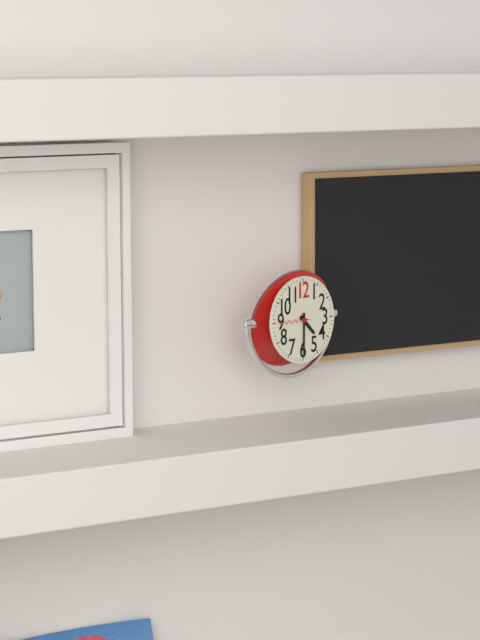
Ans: 4:30
